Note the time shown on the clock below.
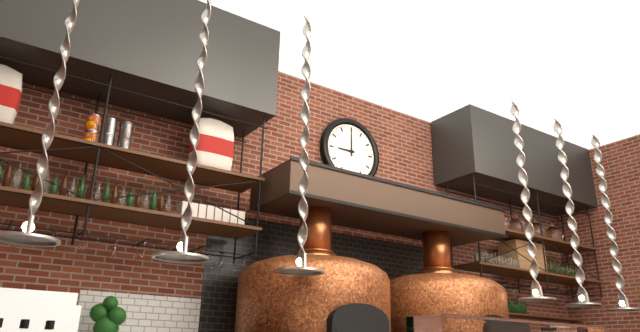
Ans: 9:00
